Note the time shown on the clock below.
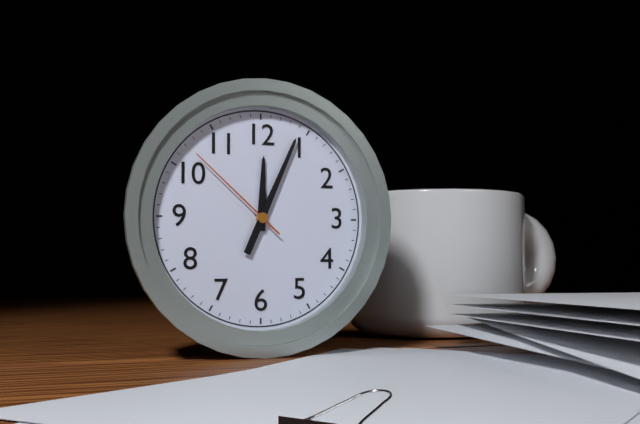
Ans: 12:04:52
